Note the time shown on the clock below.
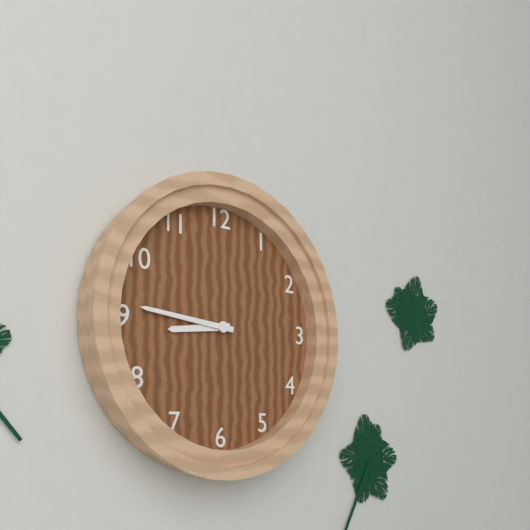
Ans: 8:46
